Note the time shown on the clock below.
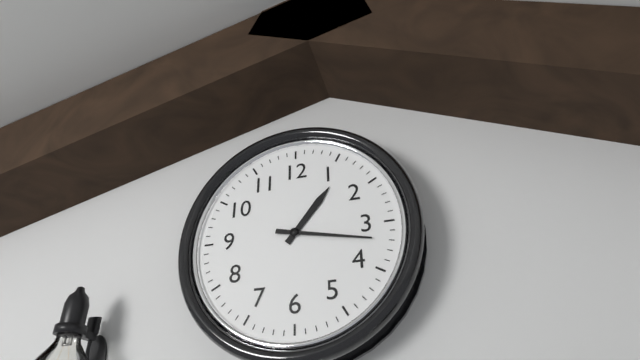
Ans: 1:17
